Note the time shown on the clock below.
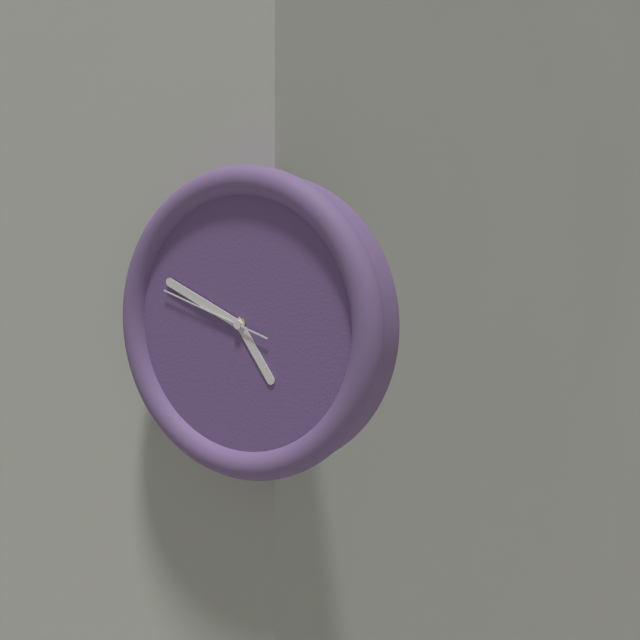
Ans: 4:49:48
